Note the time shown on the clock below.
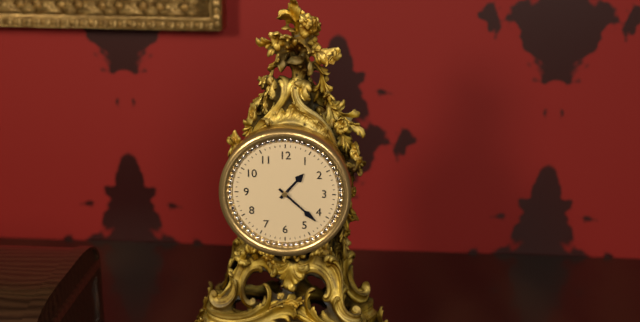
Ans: 1:22
